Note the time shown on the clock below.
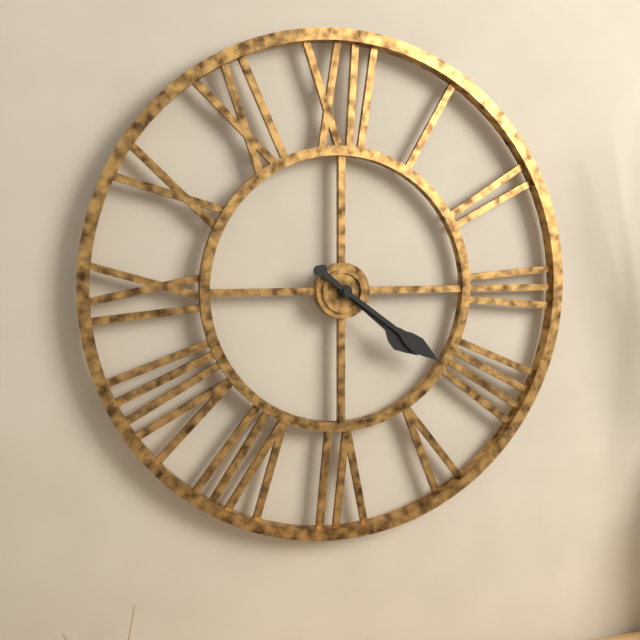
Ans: 4:21
